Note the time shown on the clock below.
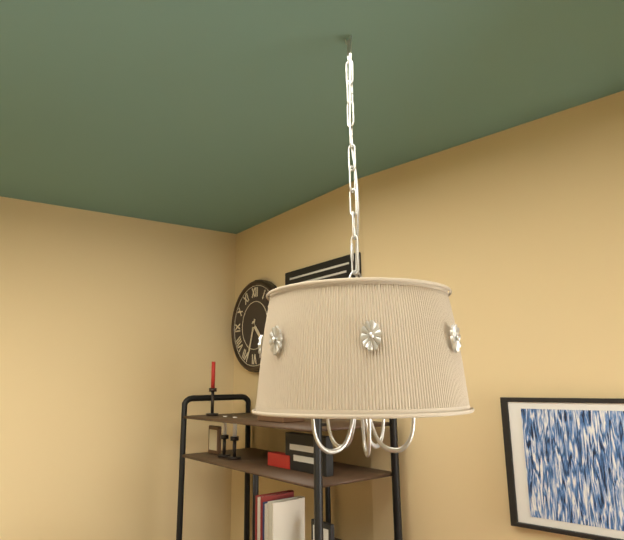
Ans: 4:33
